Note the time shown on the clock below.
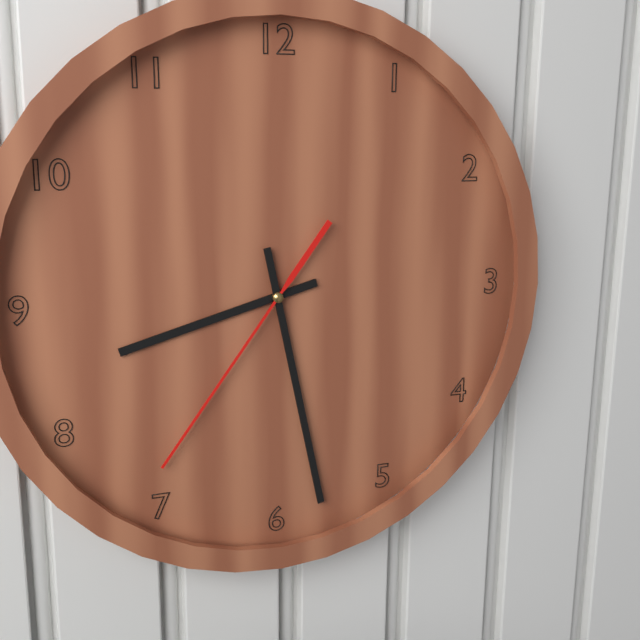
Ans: 8:28:36
